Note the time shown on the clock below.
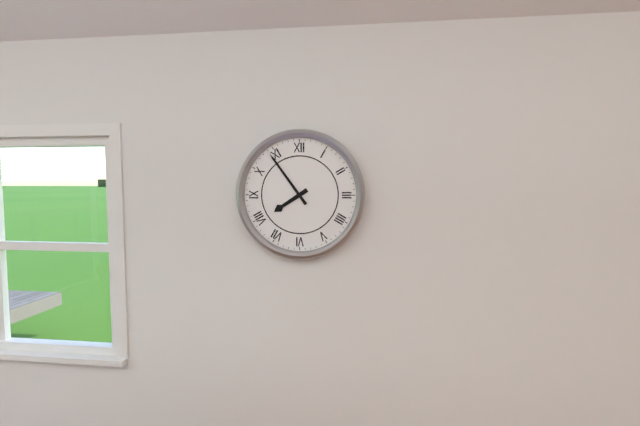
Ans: 7:54
